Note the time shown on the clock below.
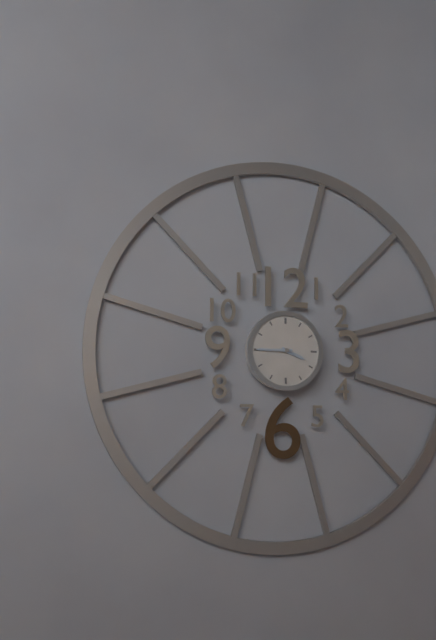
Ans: 3:45
